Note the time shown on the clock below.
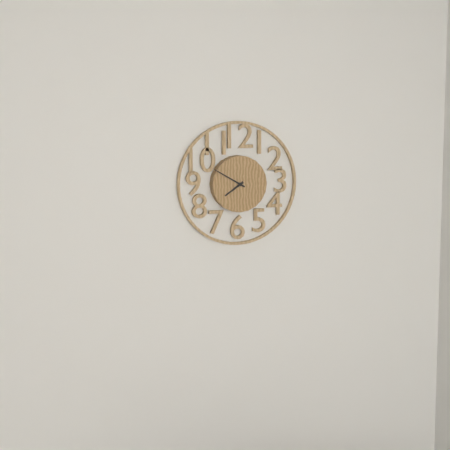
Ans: 7:50
